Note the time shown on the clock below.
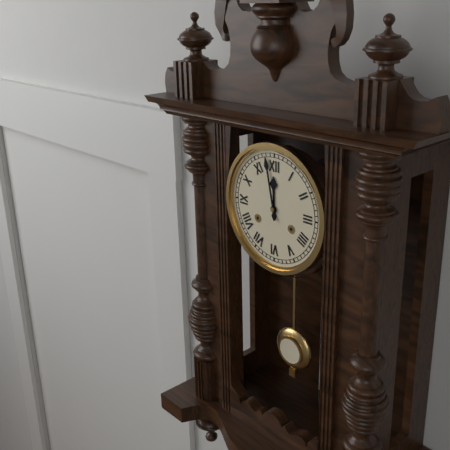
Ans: 11:58
